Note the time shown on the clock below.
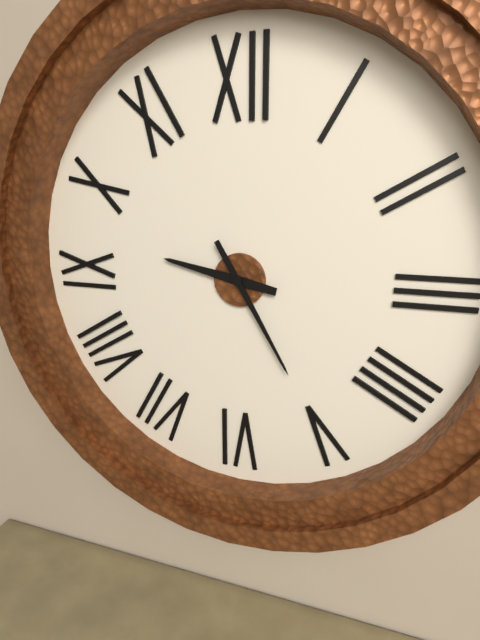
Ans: 9:25
